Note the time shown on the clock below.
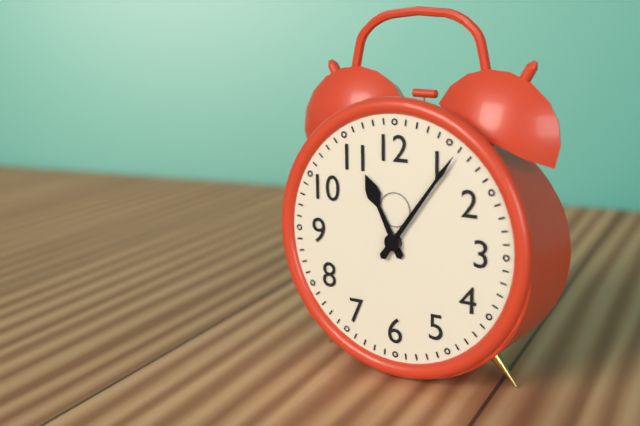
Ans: 11:06
